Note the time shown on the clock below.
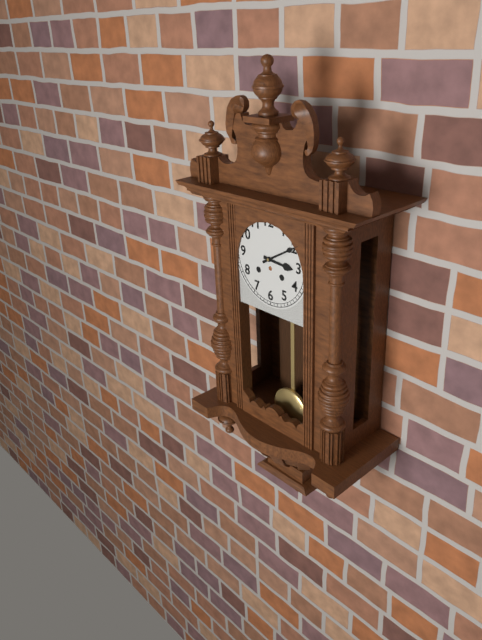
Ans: 3:10
